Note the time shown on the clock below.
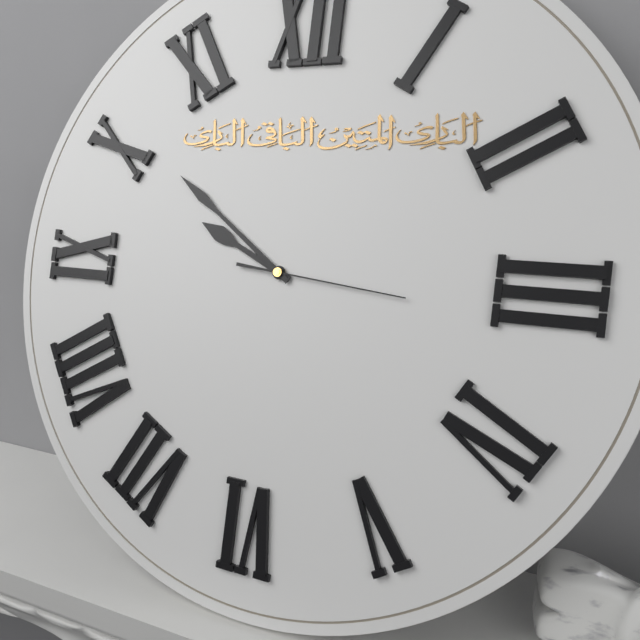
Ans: 9:51:16
